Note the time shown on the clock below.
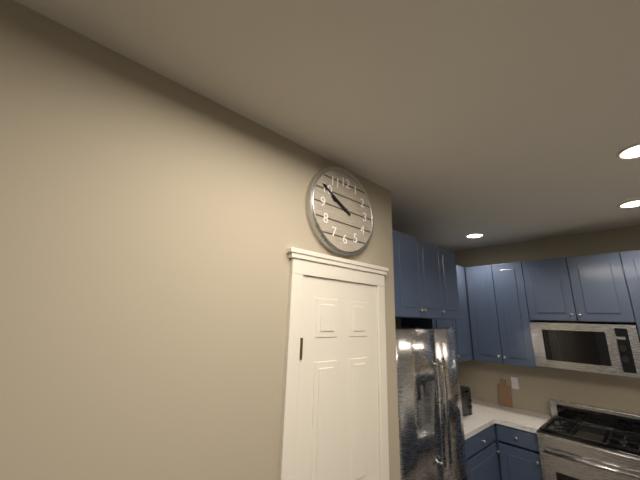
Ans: 9:50
